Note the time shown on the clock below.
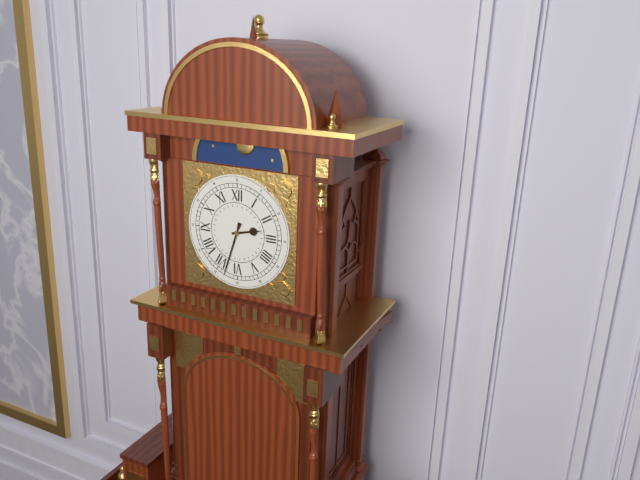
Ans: 2:33
